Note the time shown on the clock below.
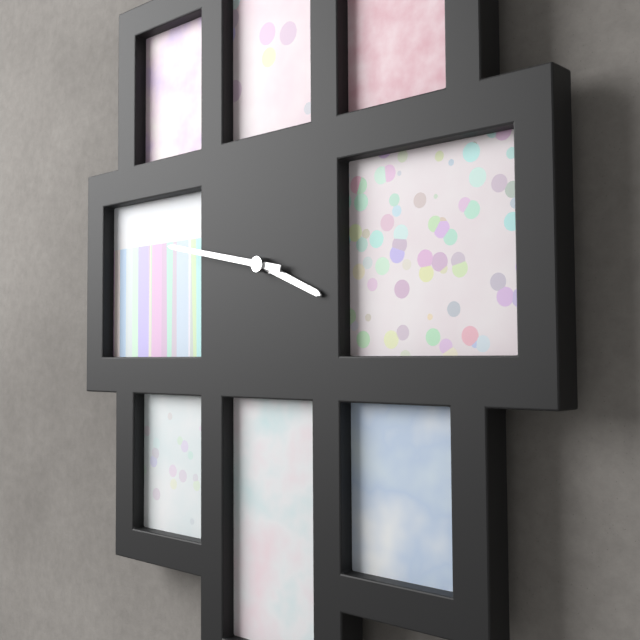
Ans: 3:47
